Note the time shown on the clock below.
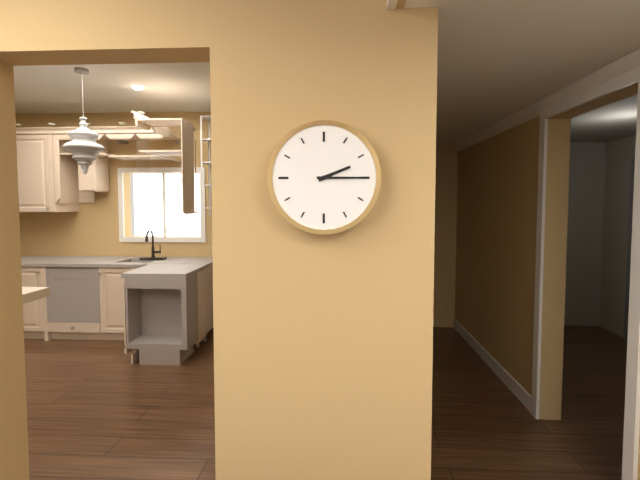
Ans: 2:15
